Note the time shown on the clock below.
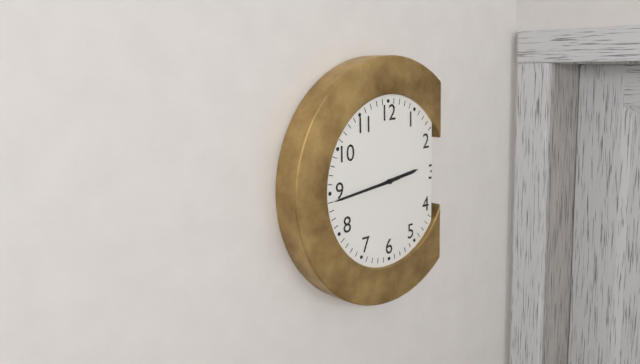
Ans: 2:44
